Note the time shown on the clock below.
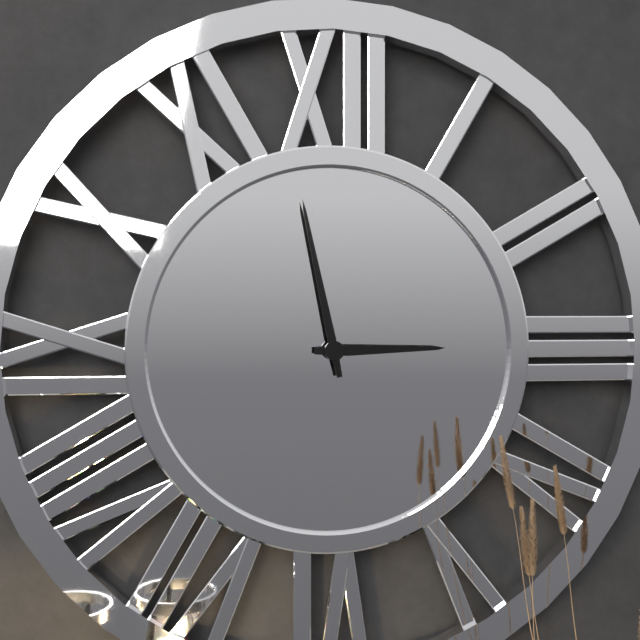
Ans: 2:58
